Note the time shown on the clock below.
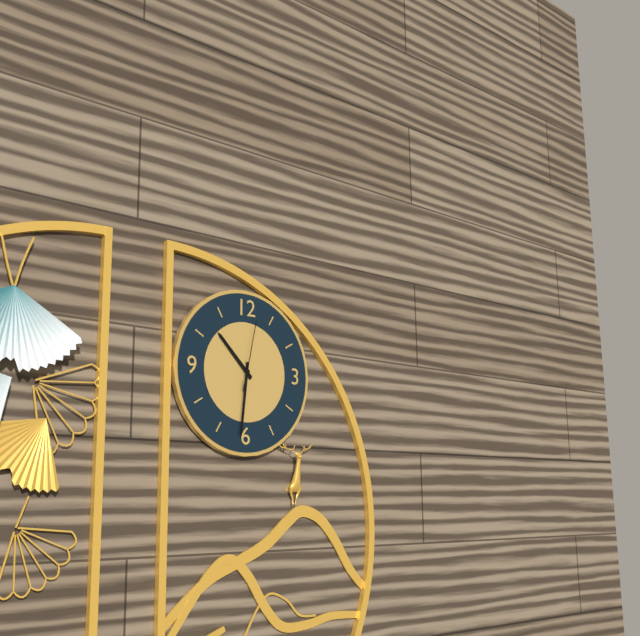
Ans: 10:31:02
